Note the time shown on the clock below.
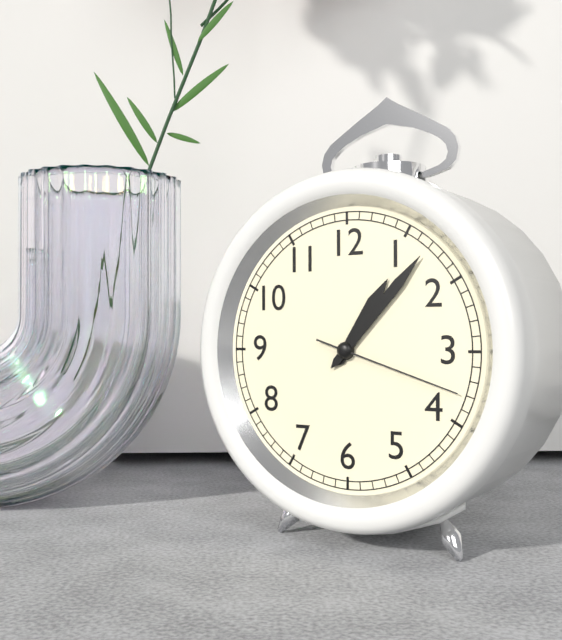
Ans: 1:07:18
